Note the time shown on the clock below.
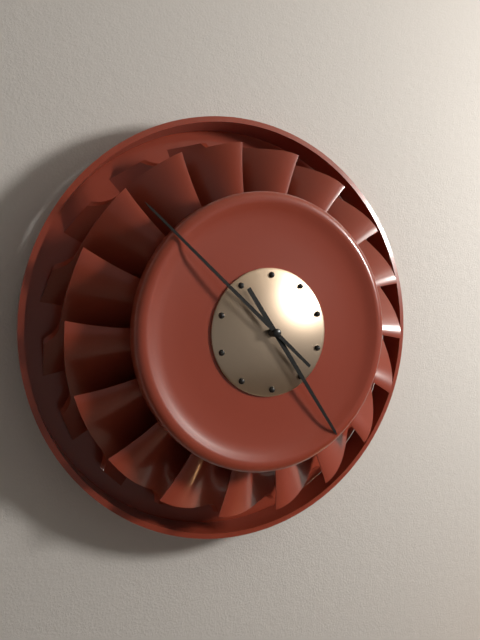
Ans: 4:52
